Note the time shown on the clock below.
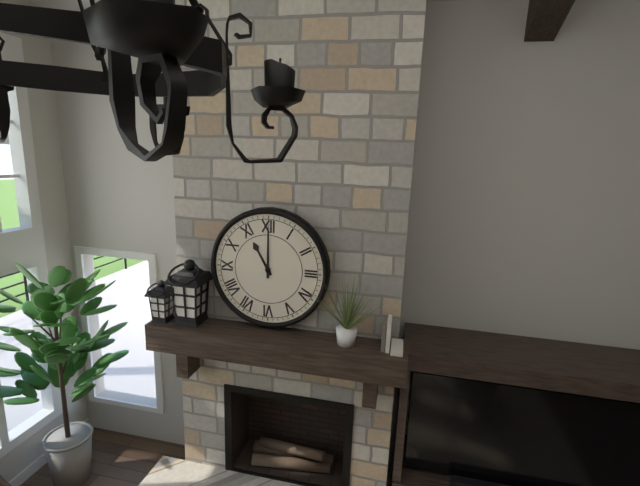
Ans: 11:00
